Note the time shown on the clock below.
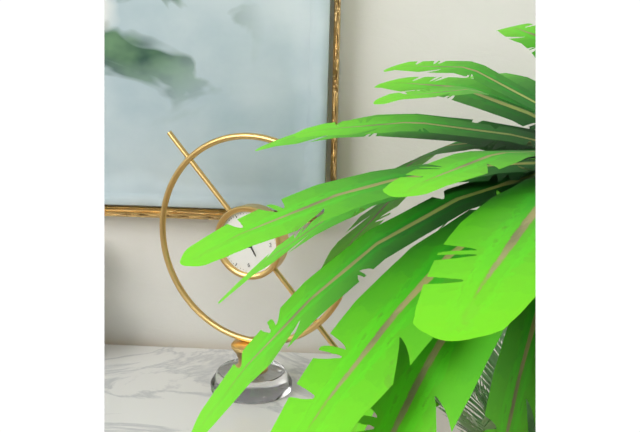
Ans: 4:58
